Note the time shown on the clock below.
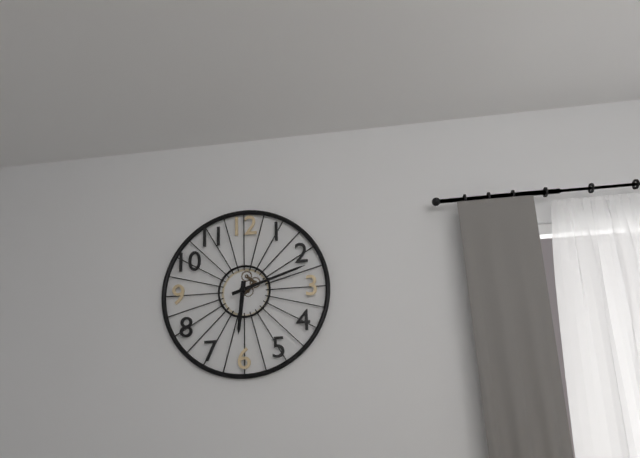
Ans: 6:12
